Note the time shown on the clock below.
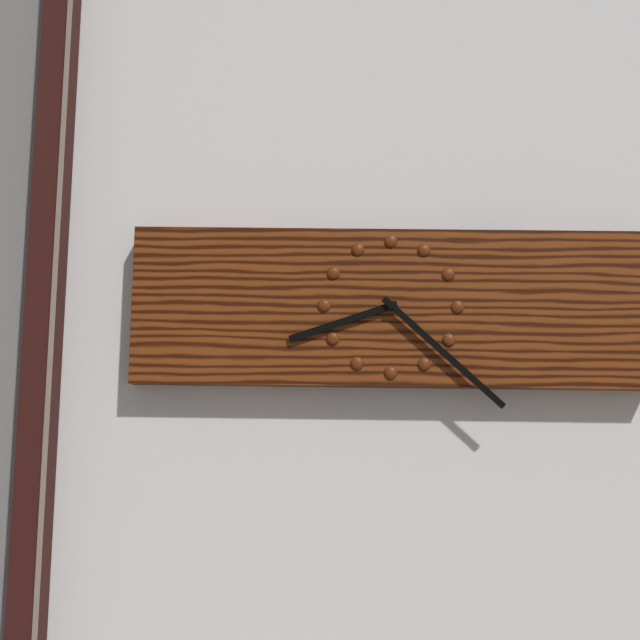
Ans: 8:22
